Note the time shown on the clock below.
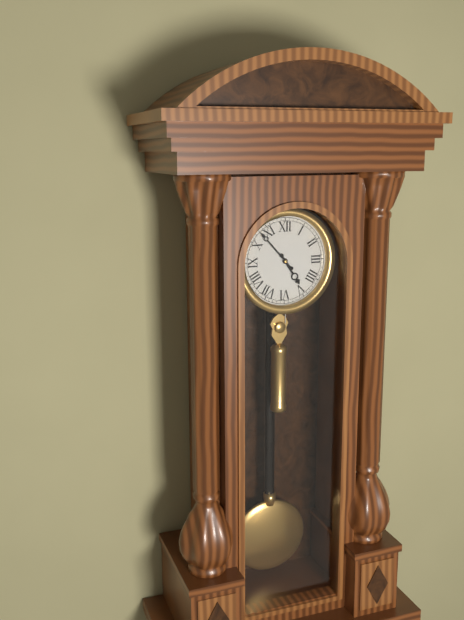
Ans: 4:53
